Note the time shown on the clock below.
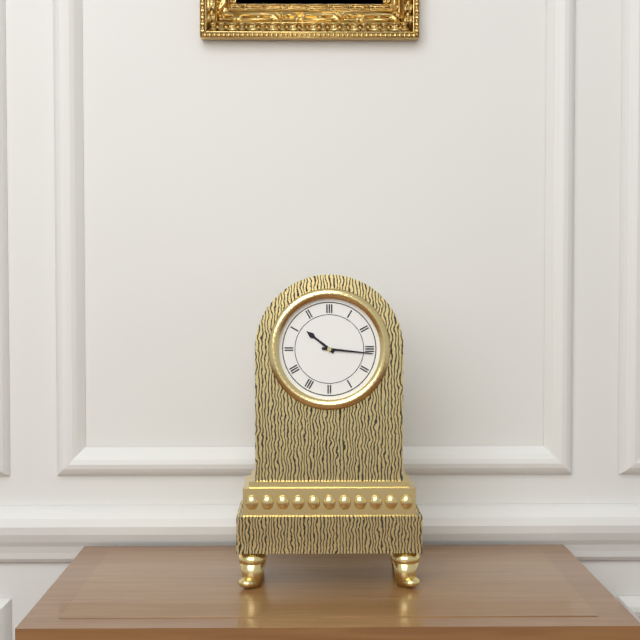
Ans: 10:16
